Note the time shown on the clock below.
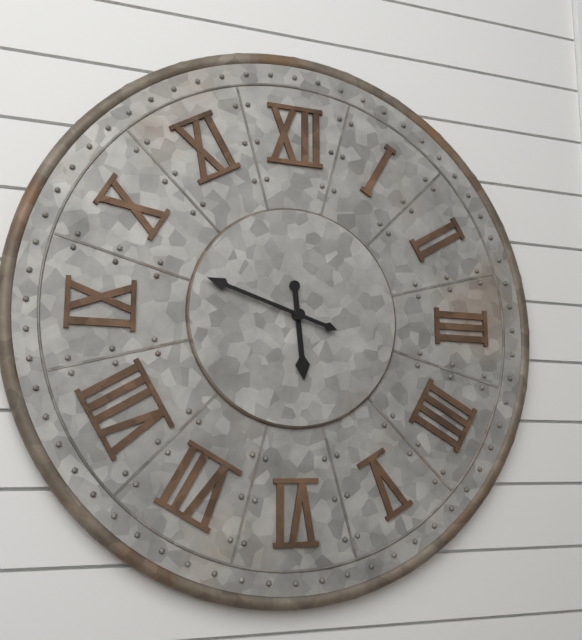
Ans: 5:48
